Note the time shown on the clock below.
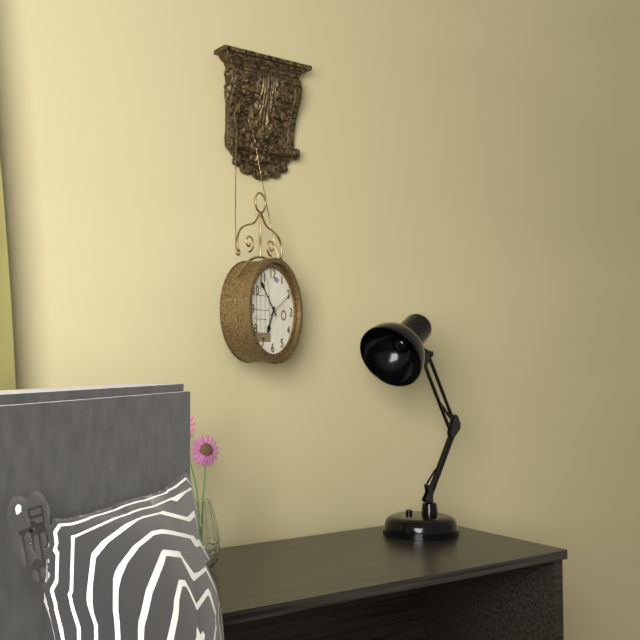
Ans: 6:53
